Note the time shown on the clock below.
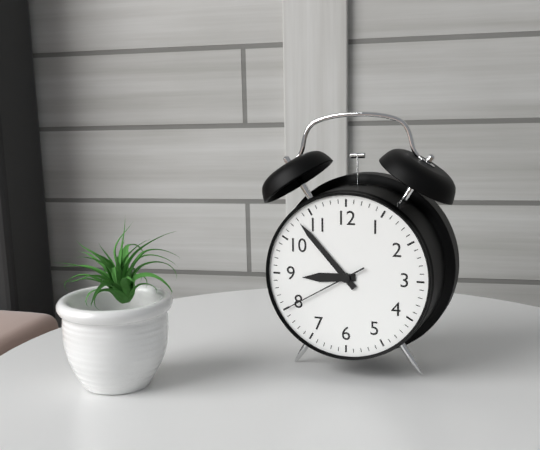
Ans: 8:53:40
